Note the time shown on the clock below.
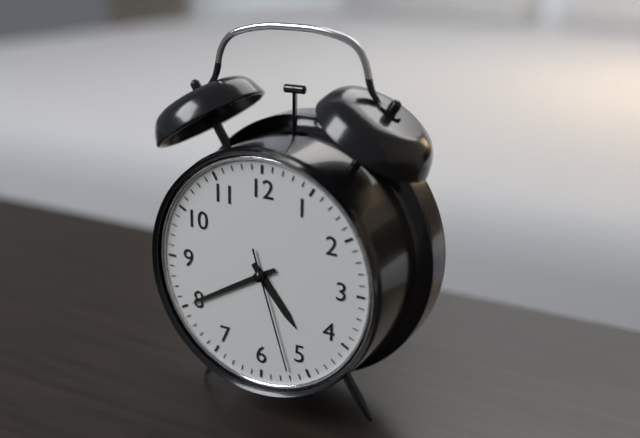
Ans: 4:40:27
